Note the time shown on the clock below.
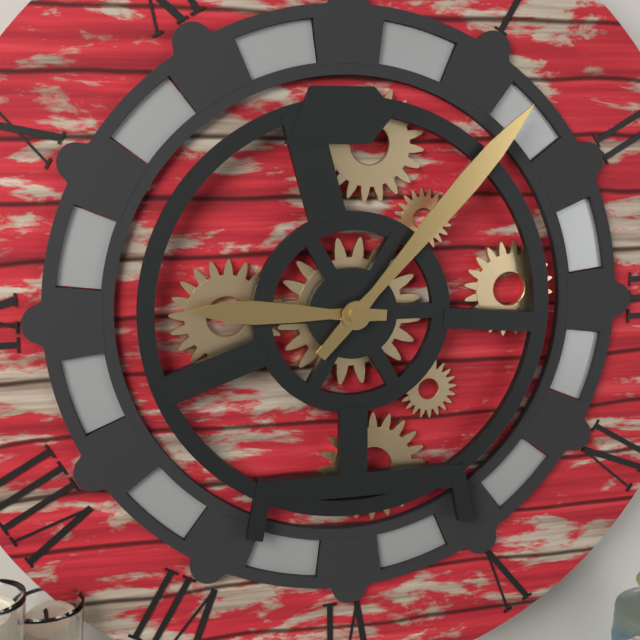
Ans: 9:07
